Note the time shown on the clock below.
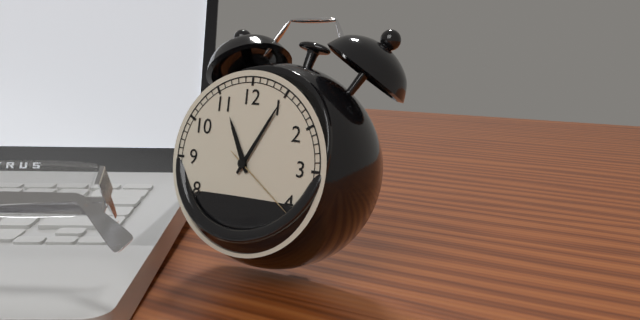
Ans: 11:05:21
